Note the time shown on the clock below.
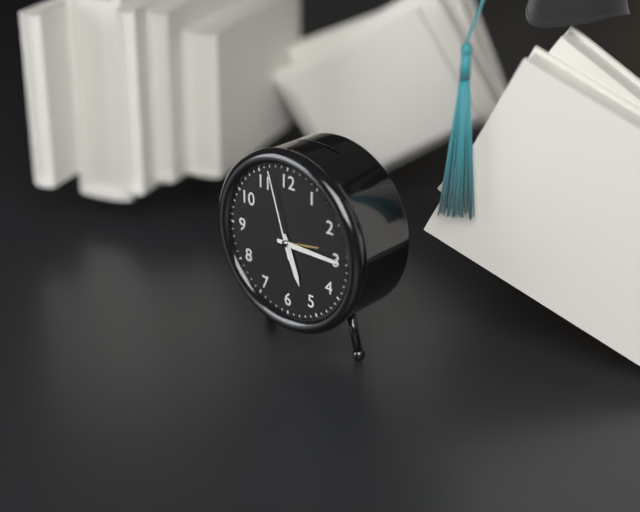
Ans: 5:15:57
